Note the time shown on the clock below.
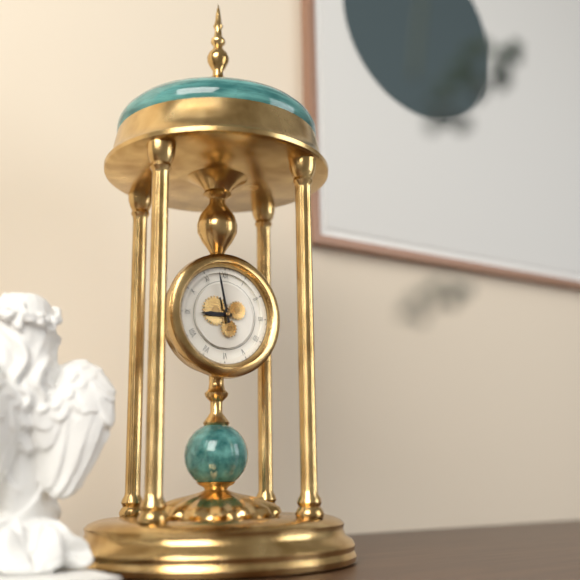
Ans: 8:58
